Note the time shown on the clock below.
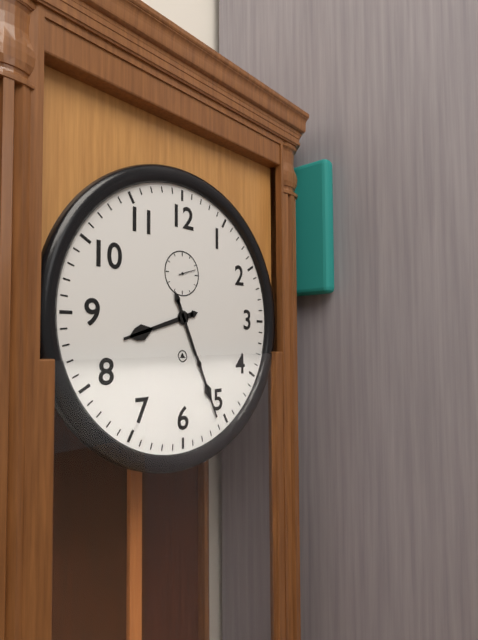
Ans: 8:26
